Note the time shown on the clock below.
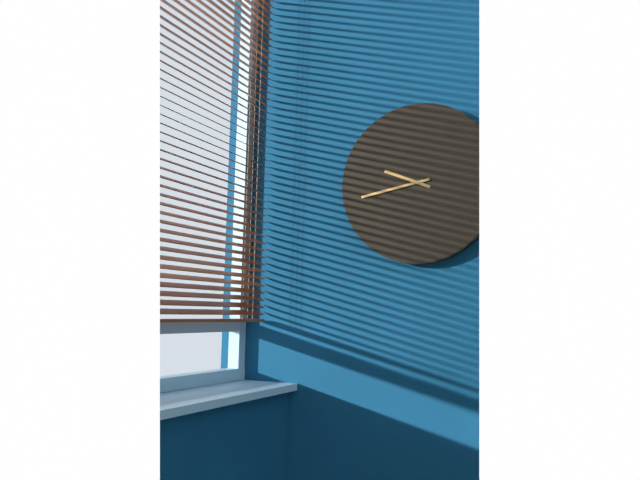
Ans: 9:43
